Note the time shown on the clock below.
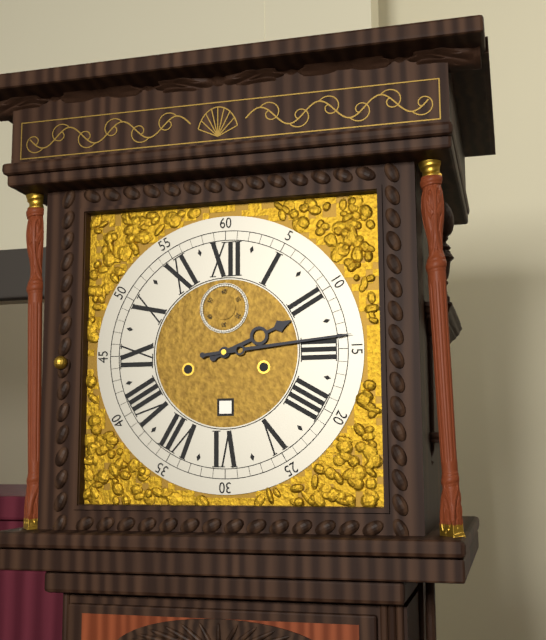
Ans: 2:14
